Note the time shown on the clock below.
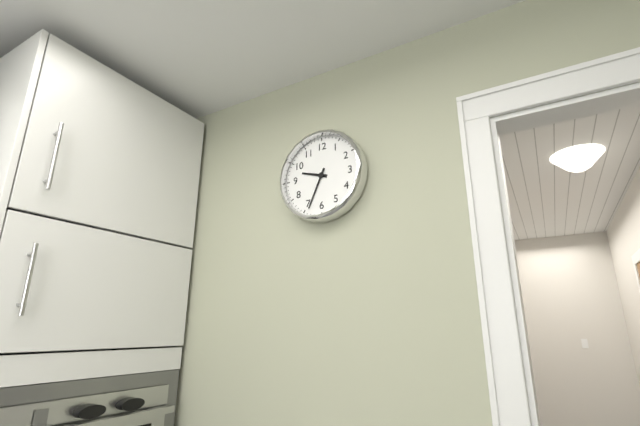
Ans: 9:34
